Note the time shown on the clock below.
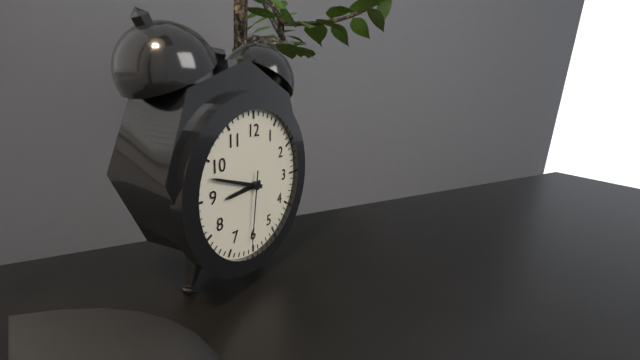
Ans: 8:48:31
